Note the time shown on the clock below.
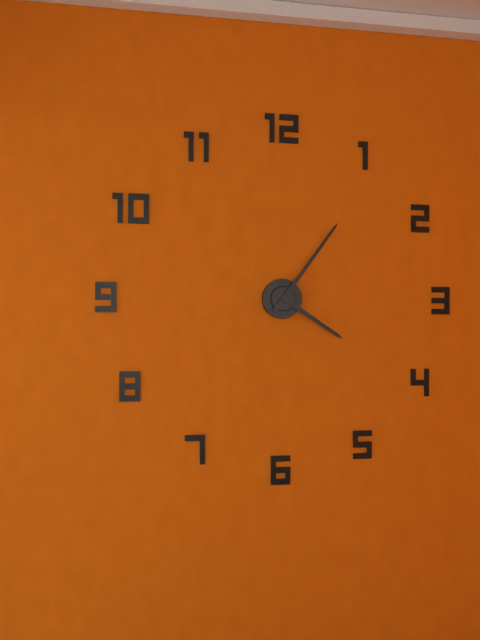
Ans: 4:06
